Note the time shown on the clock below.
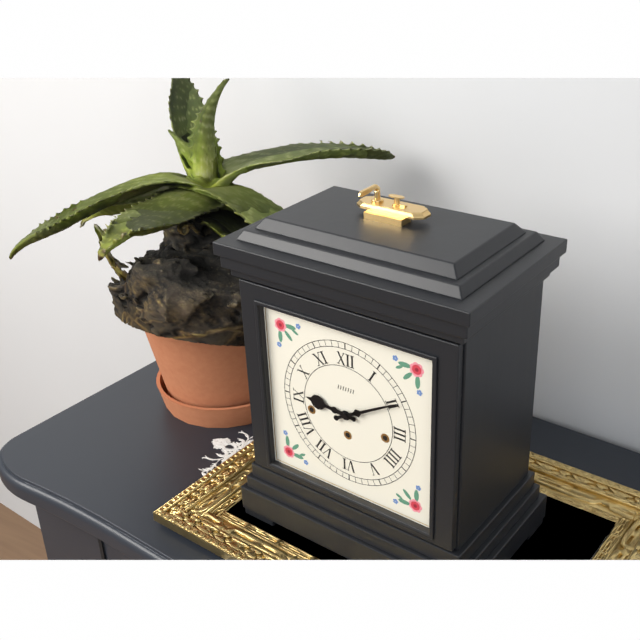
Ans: 9:10
